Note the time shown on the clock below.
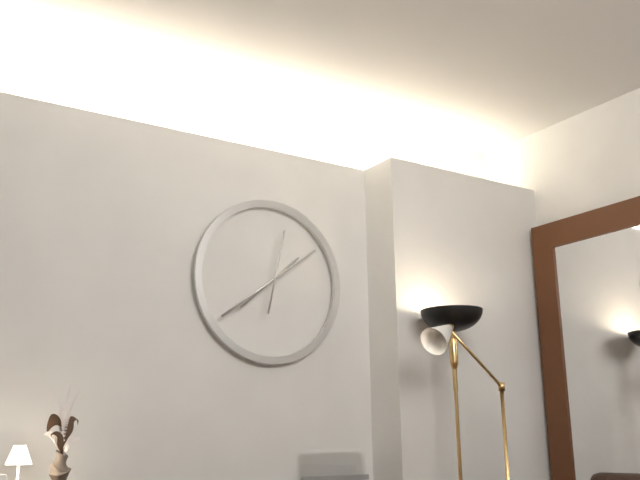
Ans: 7:39:02
